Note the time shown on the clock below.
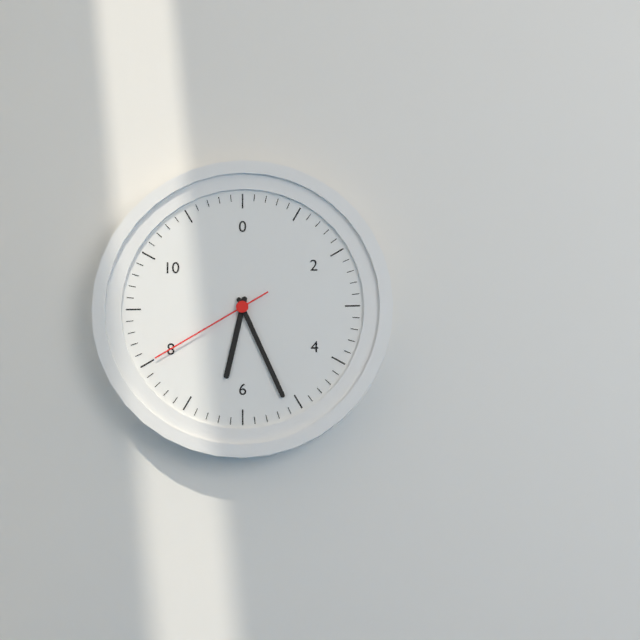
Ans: 6:26:40
